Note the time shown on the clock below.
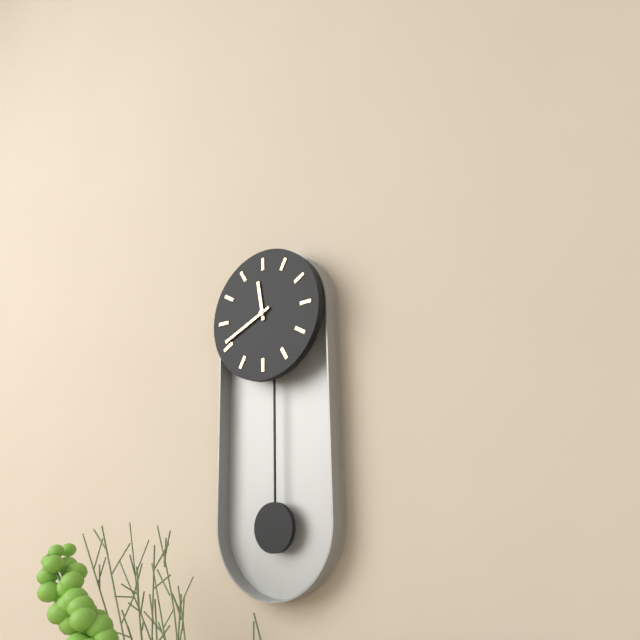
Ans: 11:41
